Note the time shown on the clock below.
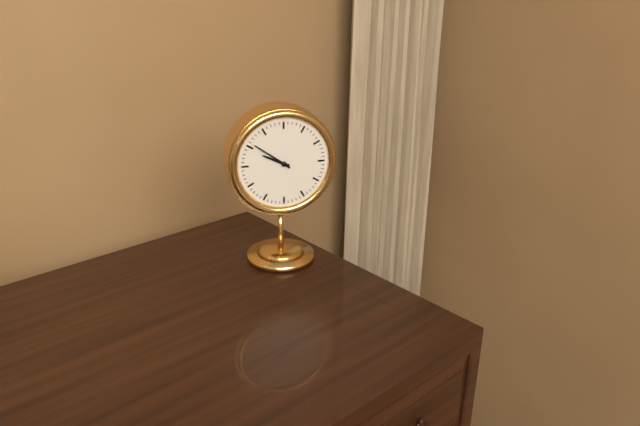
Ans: 9:51
